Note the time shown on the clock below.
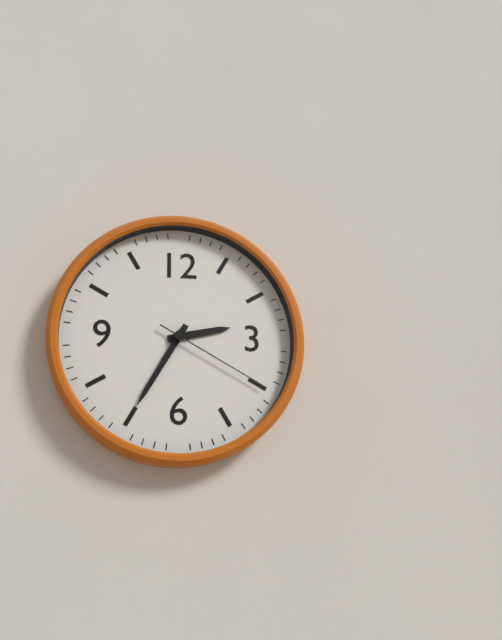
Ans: 2:35:20
